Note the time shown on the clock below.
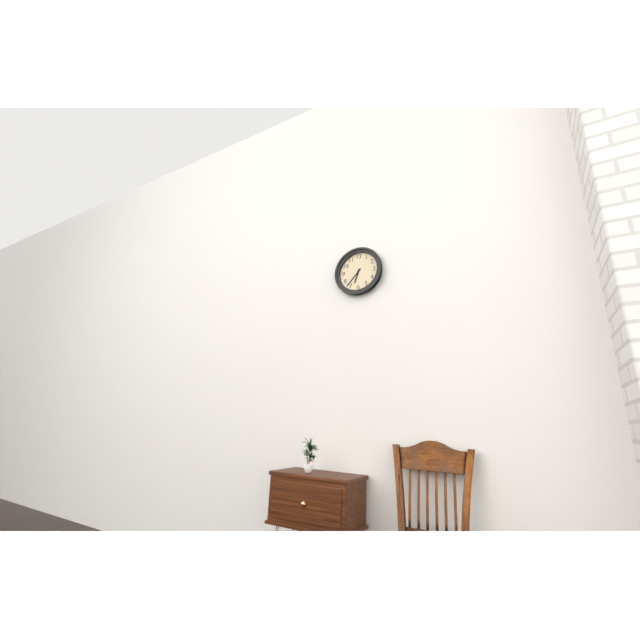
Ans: 6:37
